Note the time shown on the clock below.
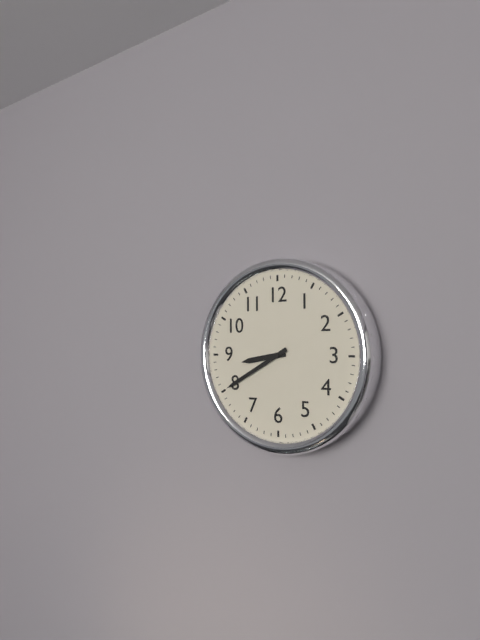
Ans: 8:40
